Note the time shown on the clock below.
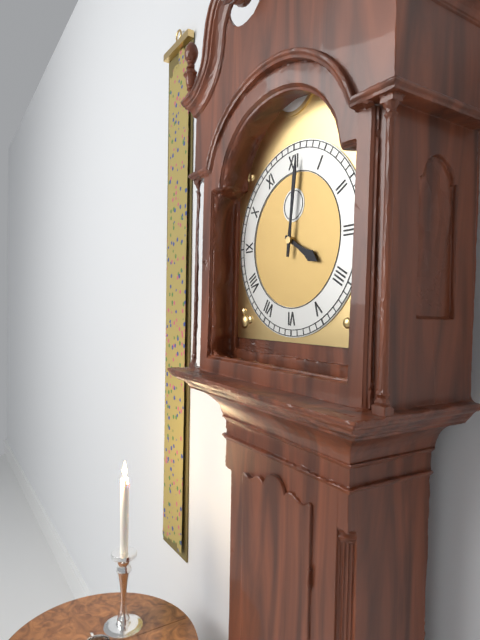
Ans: 4:01
